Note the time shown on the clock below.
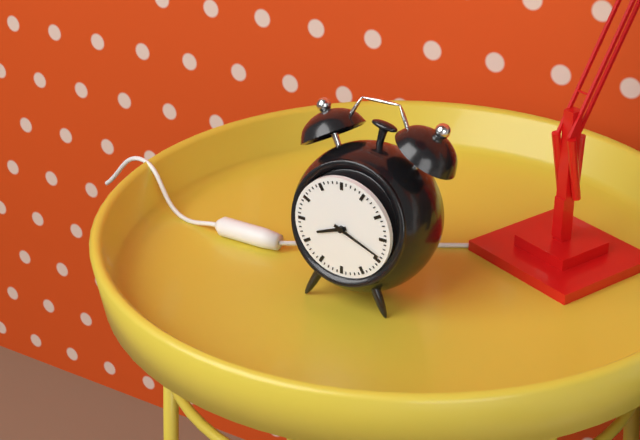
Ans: 8:19
